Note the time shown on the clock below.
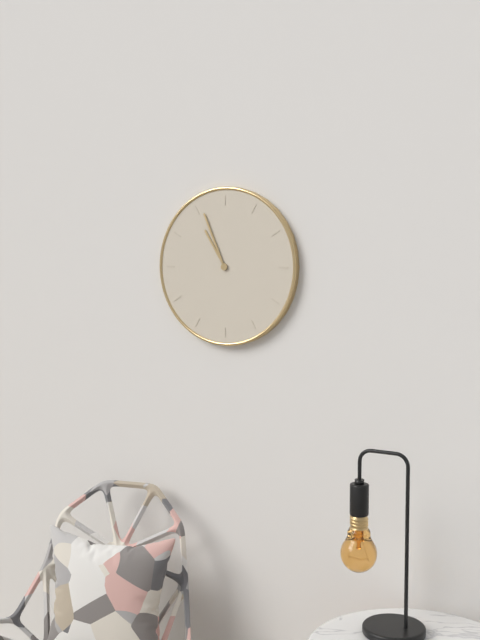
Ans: 10:56
